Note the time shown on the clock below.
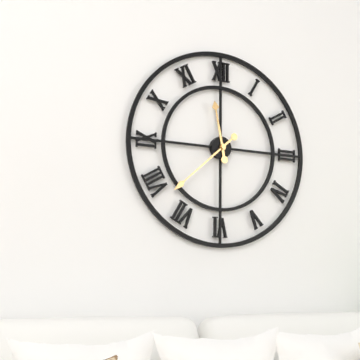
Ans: 11:38
